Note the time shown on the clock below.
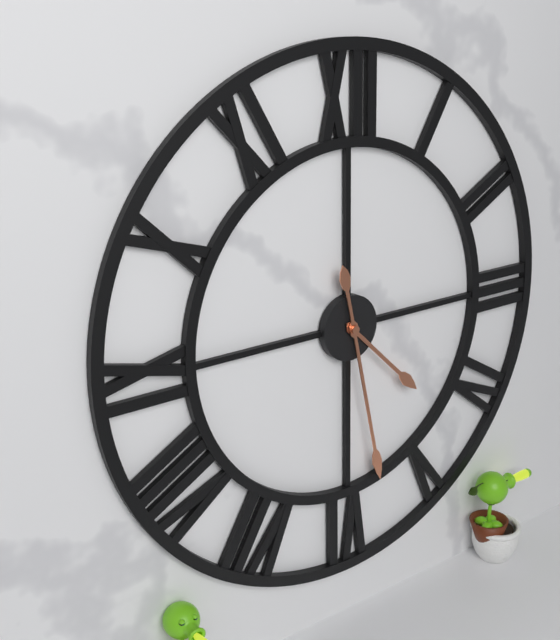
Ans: 4:28
